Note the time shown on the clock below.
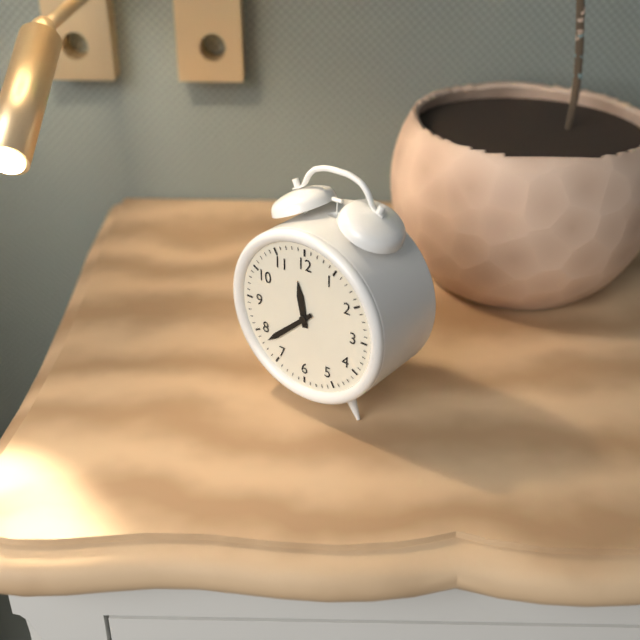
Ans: 11:38
